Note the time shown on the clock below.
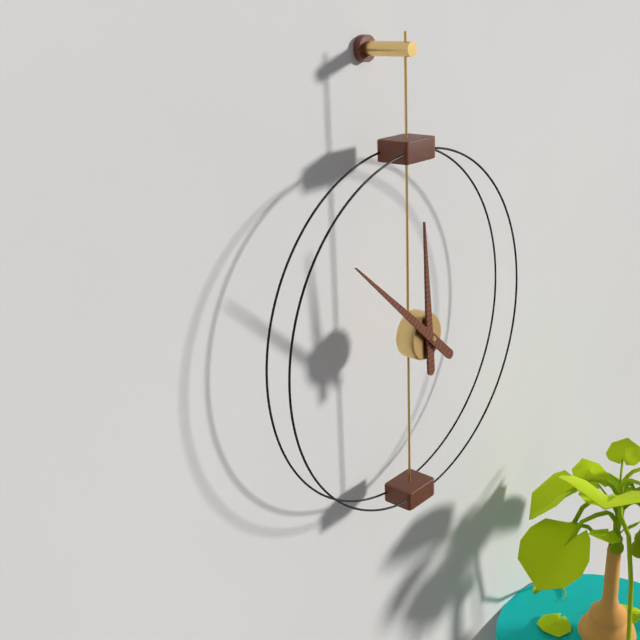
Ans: 11:52
